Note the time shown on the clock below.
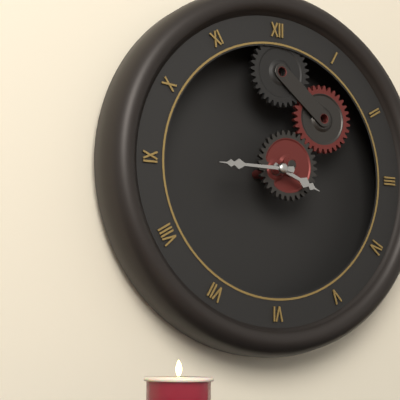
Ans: 3:45
